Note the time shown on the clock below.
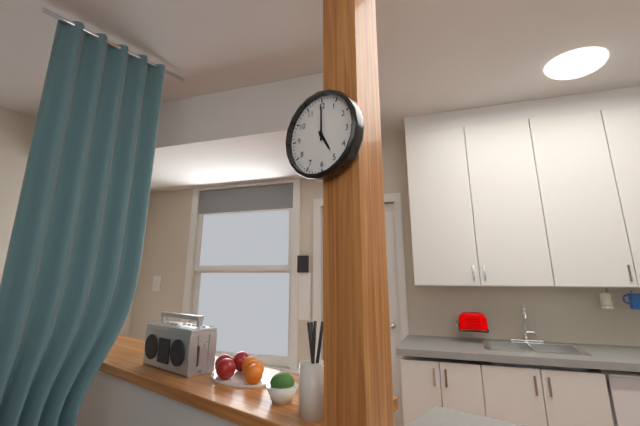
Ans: 5:00
